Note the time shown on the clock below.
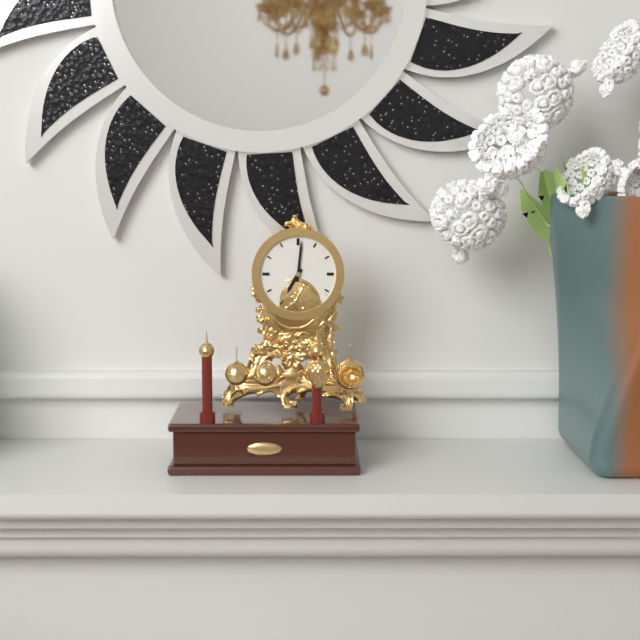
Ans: 7:01
